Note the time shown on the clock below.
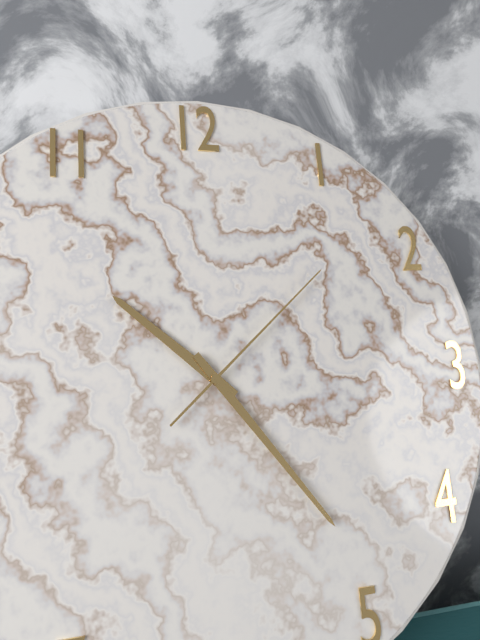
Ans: 10:24:08
